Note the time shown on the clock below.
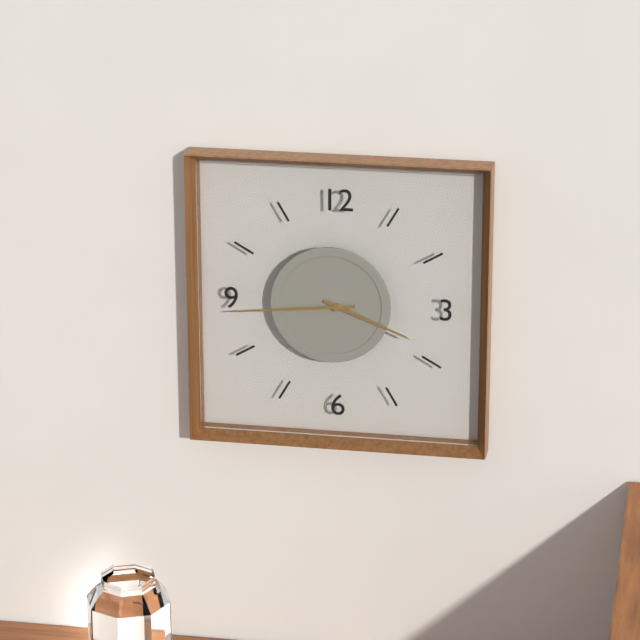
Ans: 3:44
